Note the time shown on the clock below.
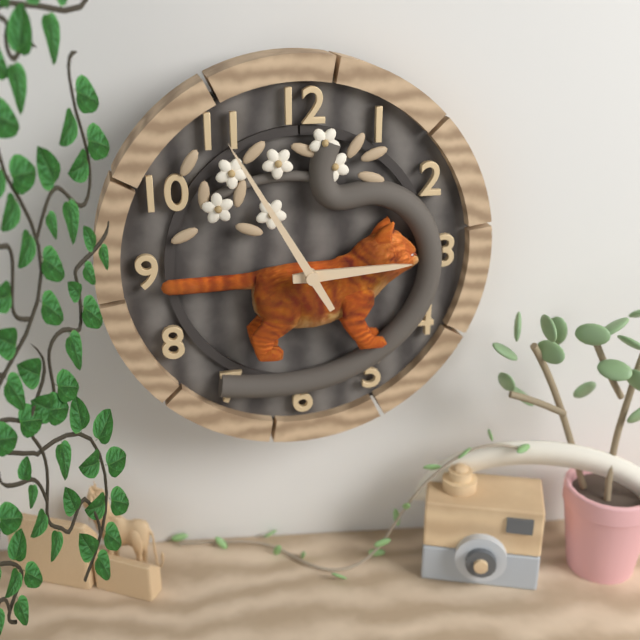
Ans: 2:55
